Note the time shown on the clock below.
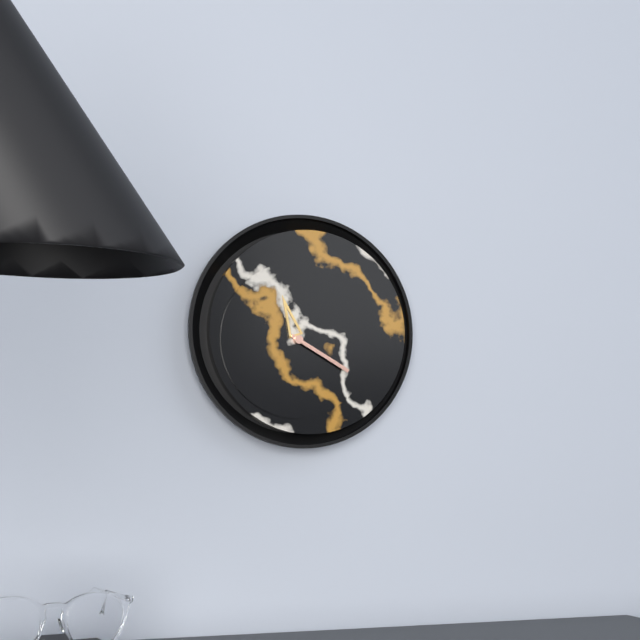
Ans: 11:20
